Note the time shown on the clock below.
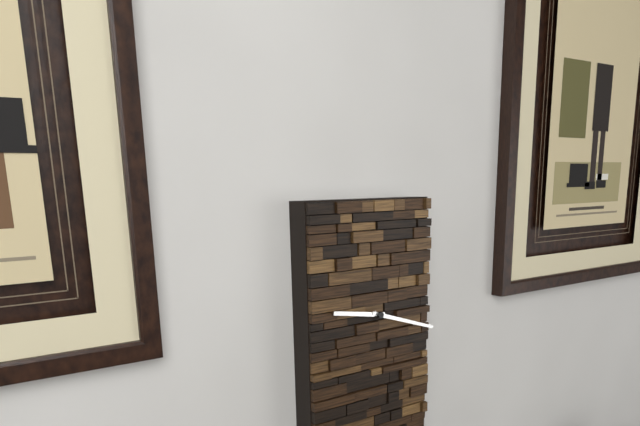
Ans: 9:18
